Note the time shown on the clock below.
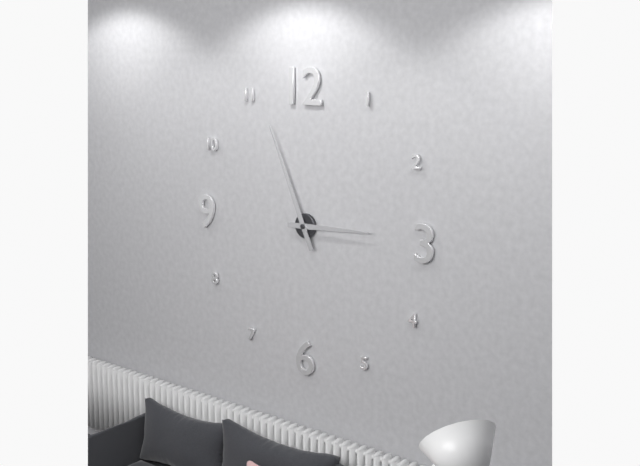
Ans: 2:56
